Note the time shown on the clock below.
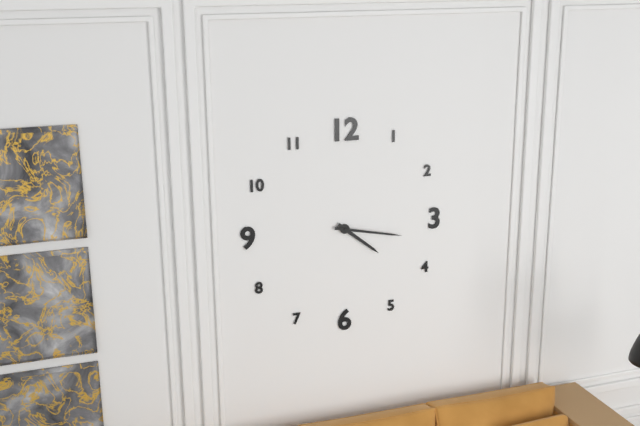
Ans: 4:17
